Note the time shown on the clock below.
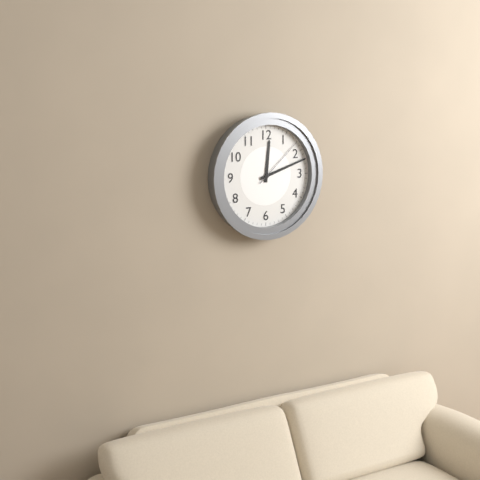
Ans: 12:12:08
